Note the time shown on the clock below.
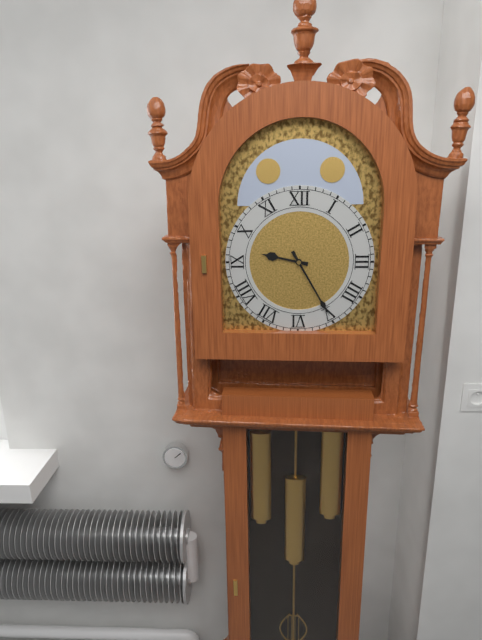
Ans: 9:25
